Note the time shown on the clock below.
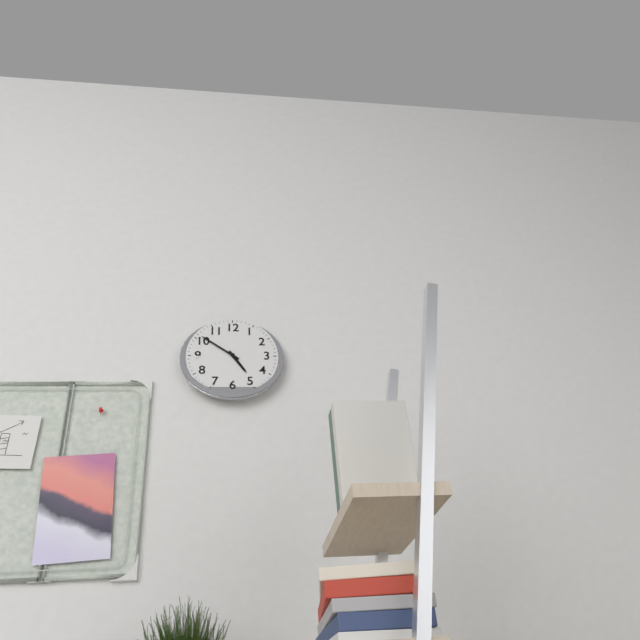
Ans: 4:51
